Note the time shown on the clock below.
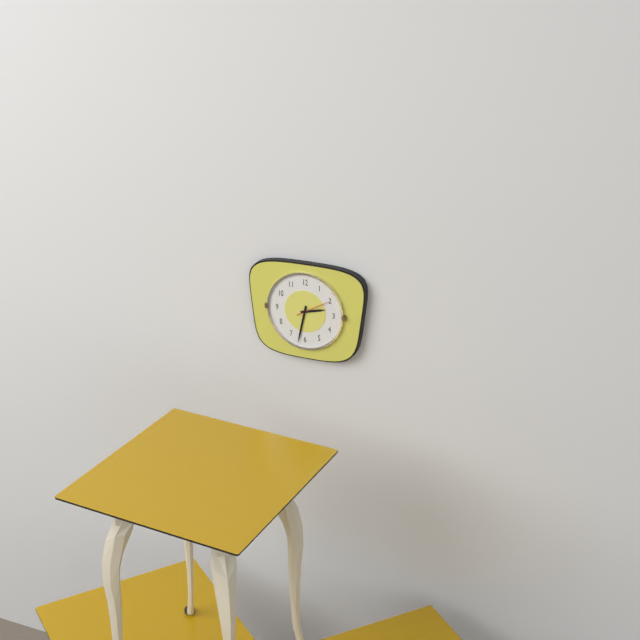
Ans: 2:32
